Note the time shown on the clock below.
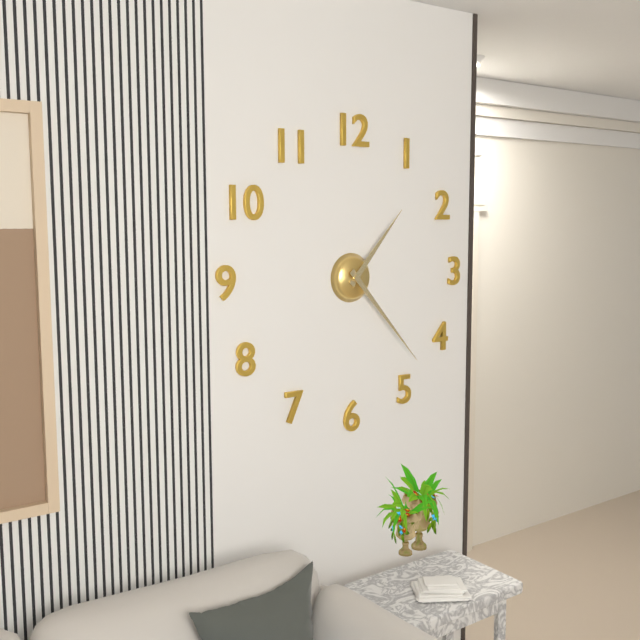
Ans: 1:23
